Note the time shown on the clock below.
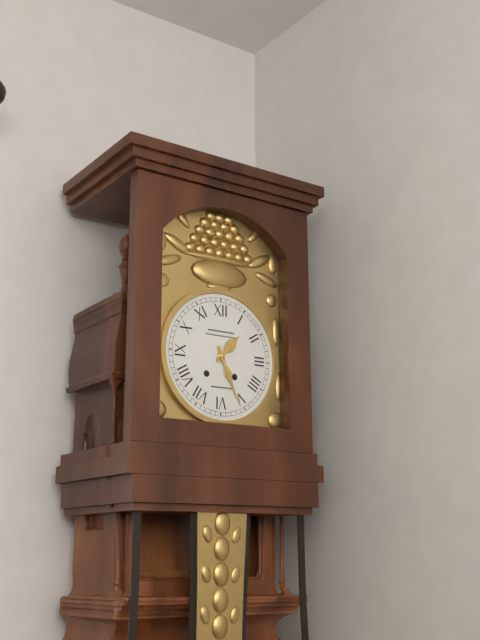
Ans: 1:26
